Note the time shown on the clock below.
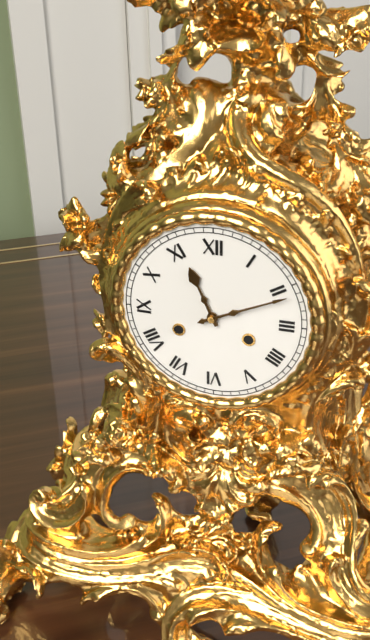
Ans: 11:11
